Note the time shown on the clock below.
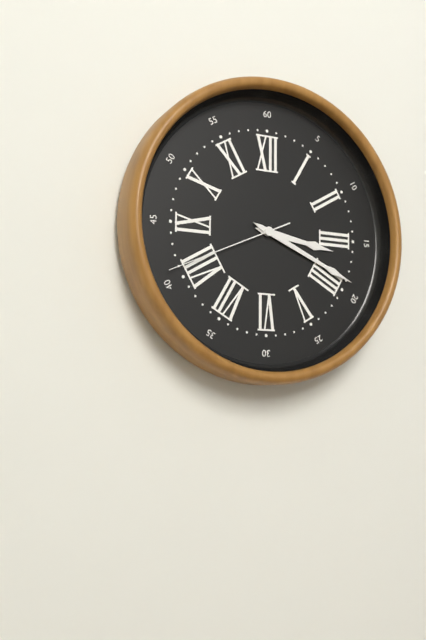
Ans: 3:19:41
